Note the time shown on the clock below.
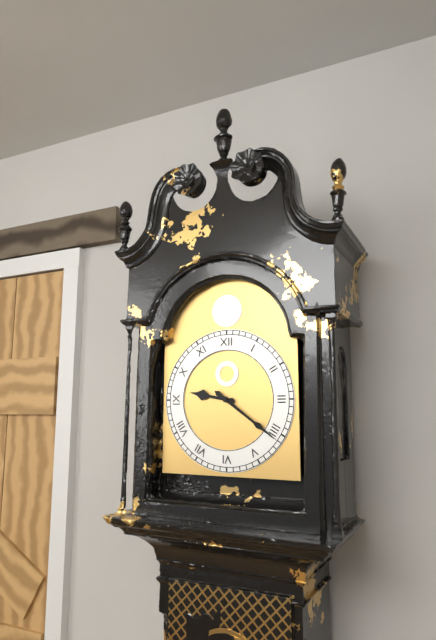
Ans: 9:21
